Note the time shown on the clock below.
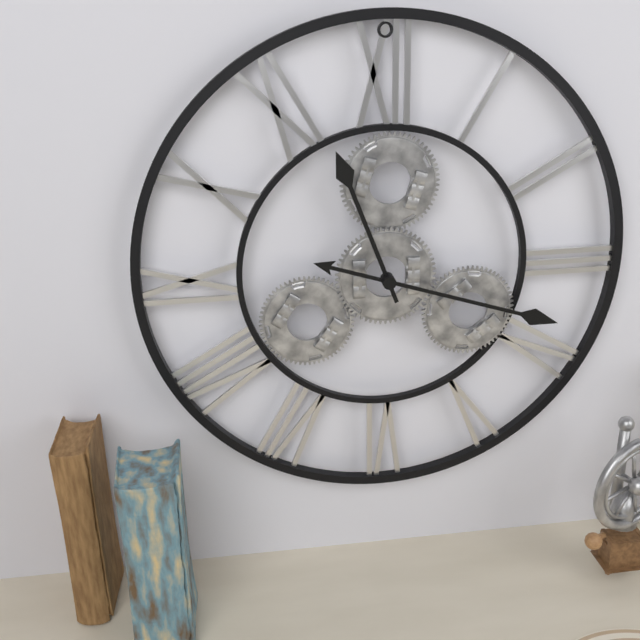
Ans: 11:18
